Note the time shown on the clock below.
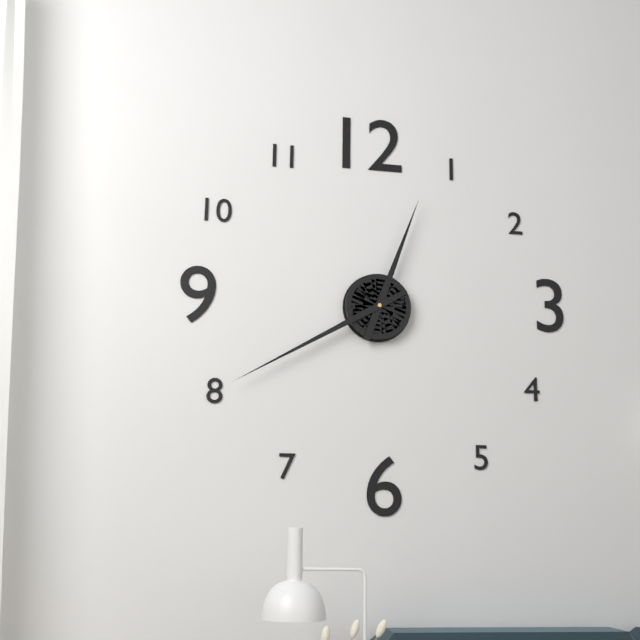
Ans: 12:40
